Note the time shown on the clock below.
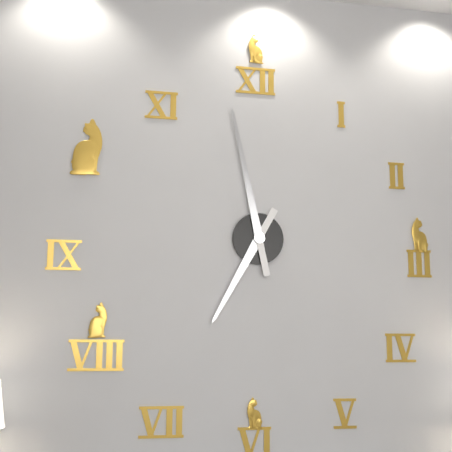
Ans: 6:58
